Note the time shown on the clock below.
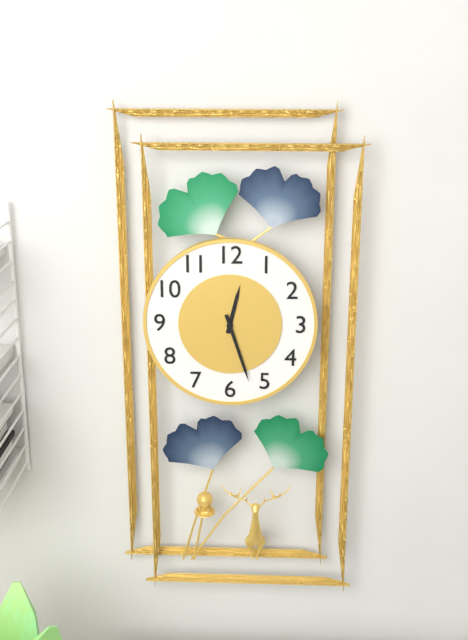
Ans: 12:27
